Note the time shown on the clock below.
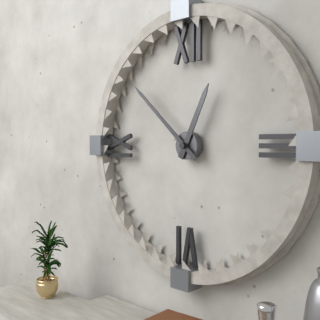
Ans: 12:52
